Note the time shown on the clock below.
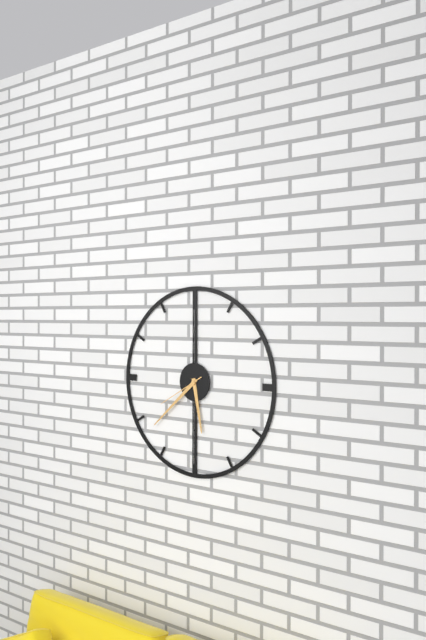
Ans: 5:38:40
